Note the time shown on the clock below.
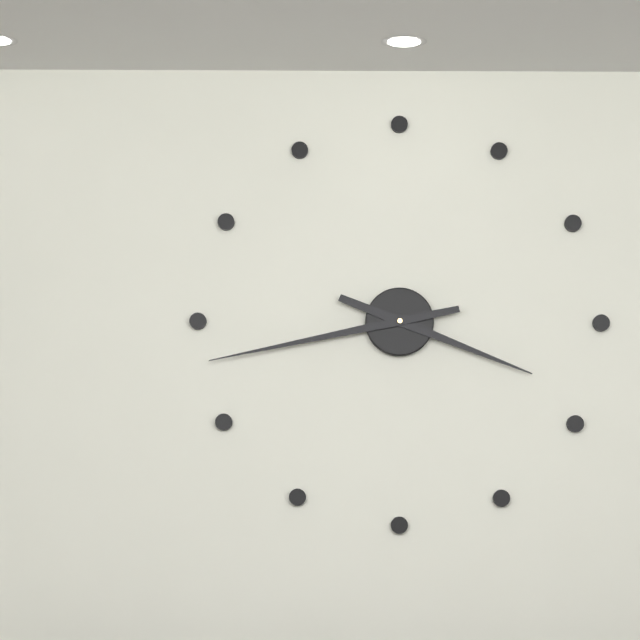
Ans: 3:43
